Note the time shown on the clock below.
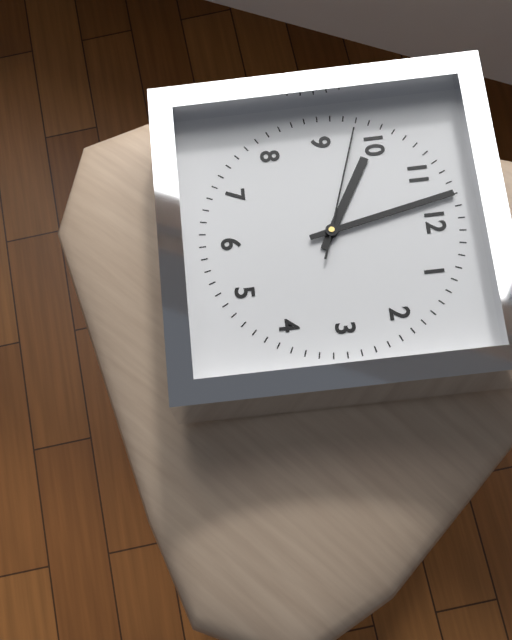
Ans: 9:58:48
